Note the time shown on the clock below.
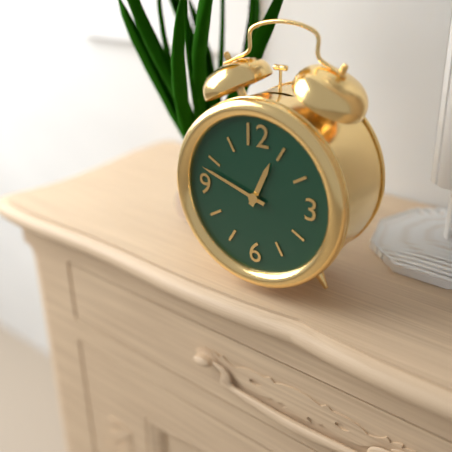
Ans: 12:48
